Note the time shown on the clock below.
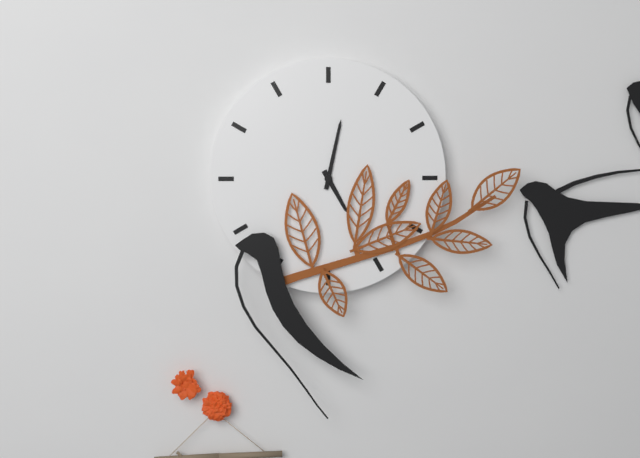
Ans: 5:02
